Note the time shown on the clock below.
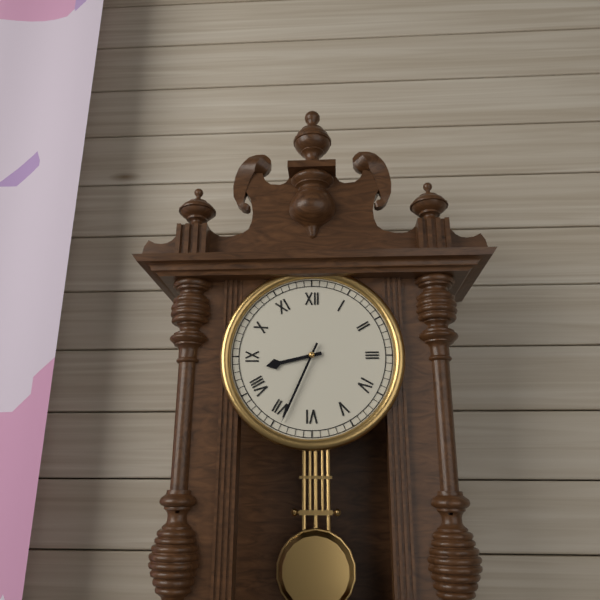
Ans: 8:34
